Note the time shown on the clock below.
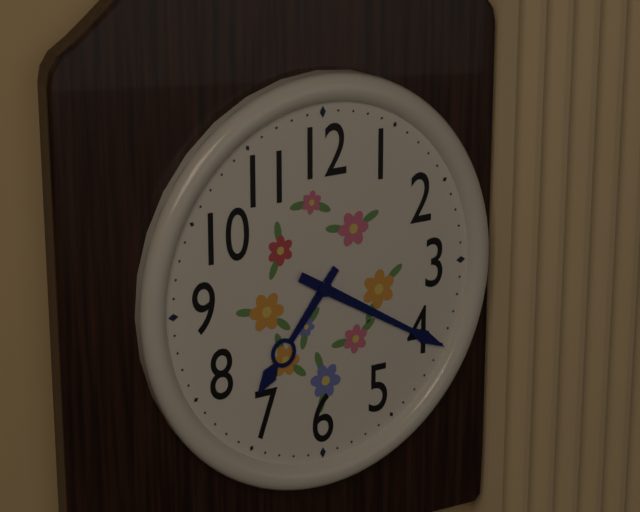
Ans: 7:20
